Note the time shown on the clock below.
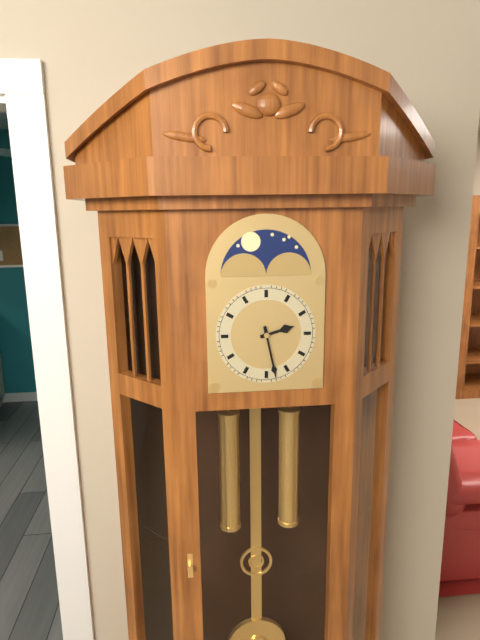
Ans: 2:28
